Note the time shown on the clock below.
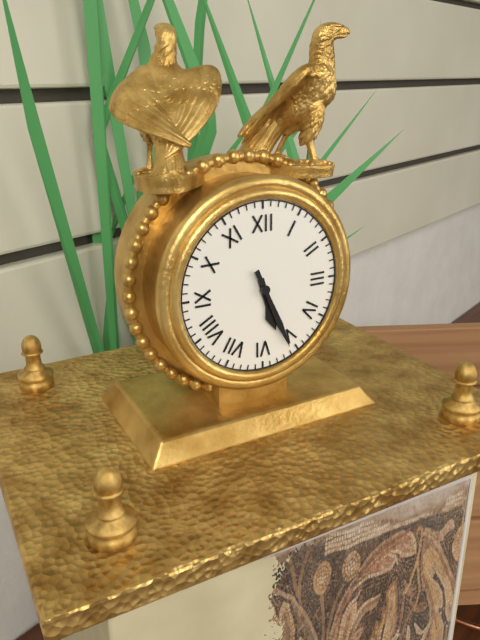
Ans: 5:26
